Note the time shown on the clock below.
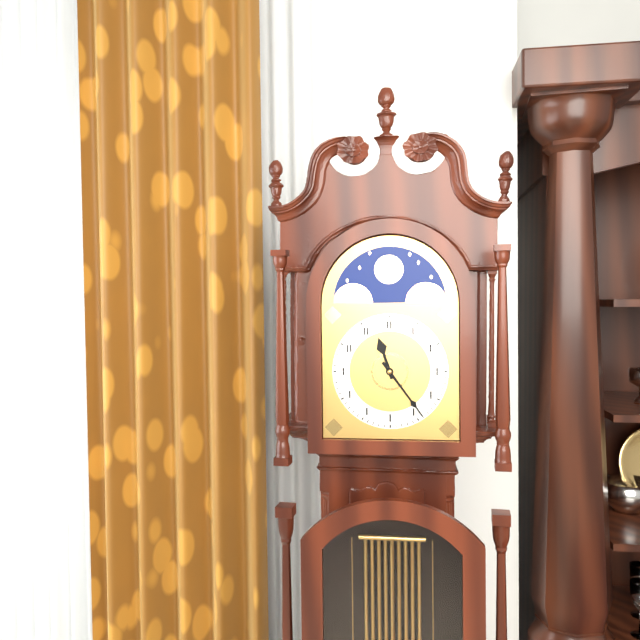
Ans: 11:24
